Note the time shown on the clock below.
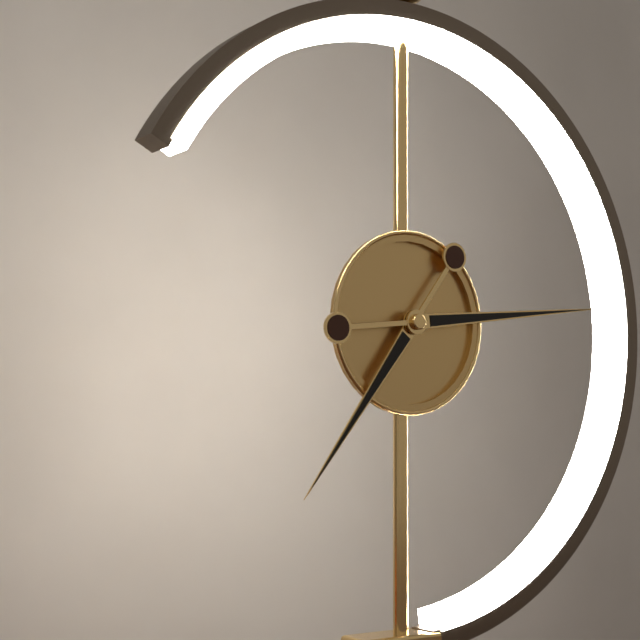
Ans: 7:14
